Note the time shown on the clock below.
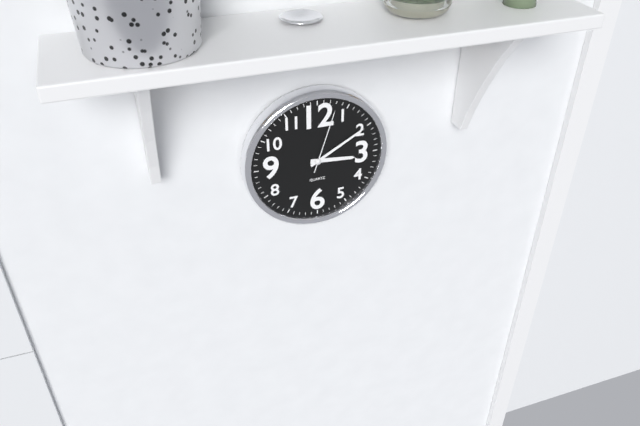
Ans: 3:10:03
